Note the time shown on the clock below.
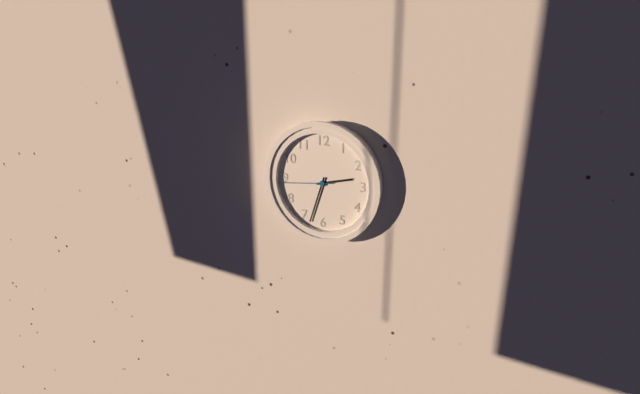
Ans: 2:33:44
